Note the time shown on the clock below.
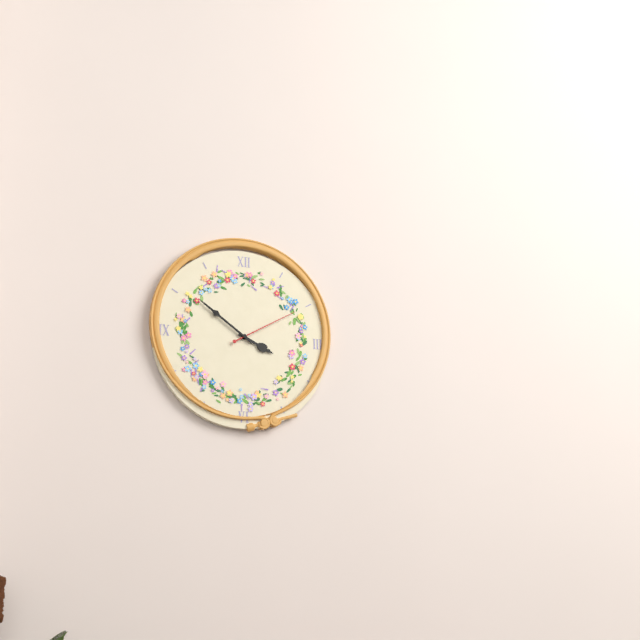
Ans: 3:51:10
